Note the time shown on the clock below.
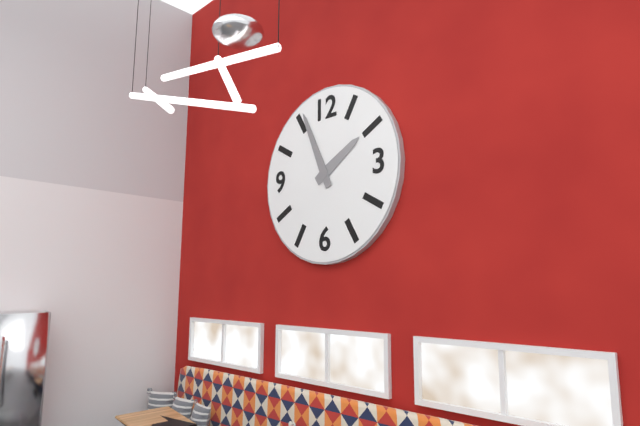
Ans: 1:56
